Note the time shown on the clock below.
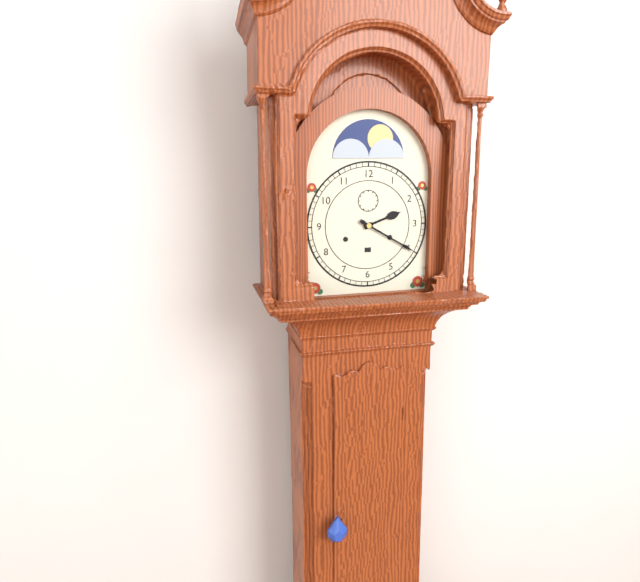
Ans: 2:20
